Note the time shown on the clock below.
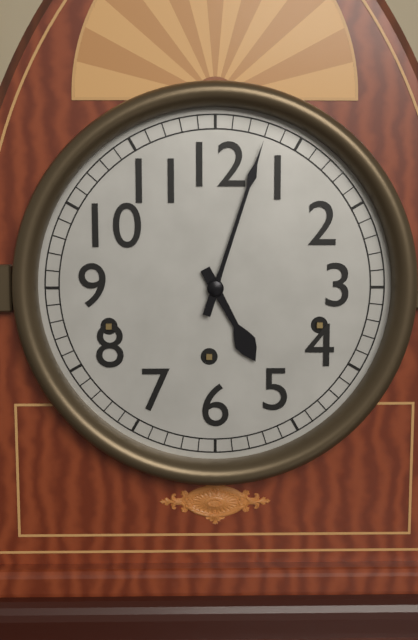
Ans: 5:03
